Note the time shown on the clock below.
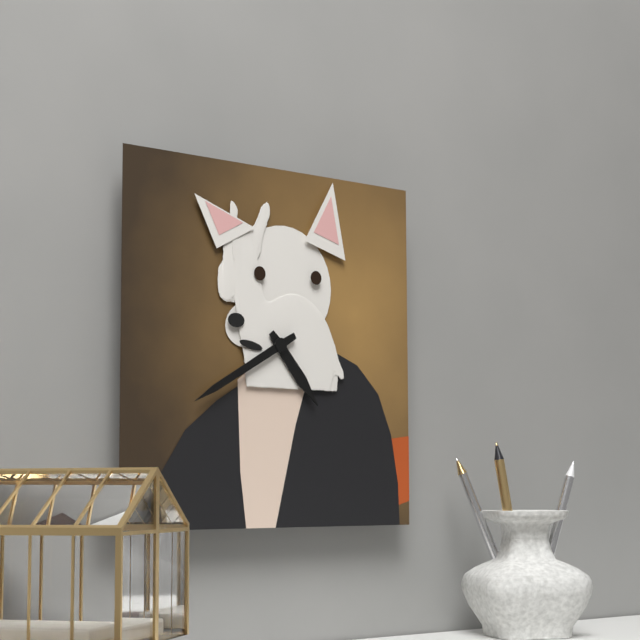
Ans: 4:40
